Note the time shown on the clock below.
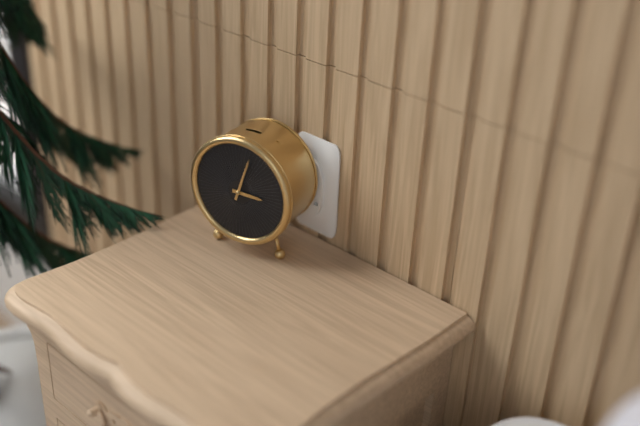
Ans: 3:03
